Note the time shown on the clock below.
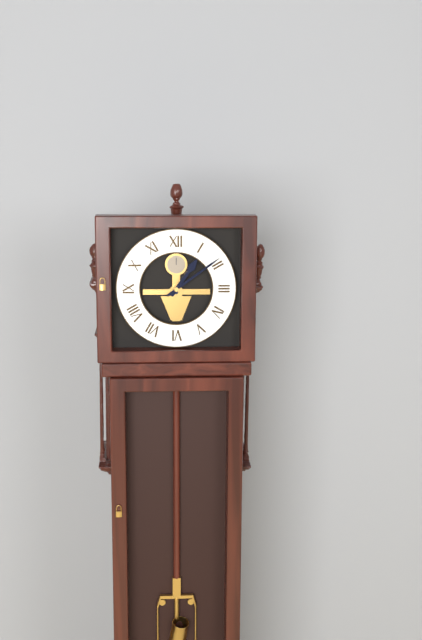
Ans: 1:09
